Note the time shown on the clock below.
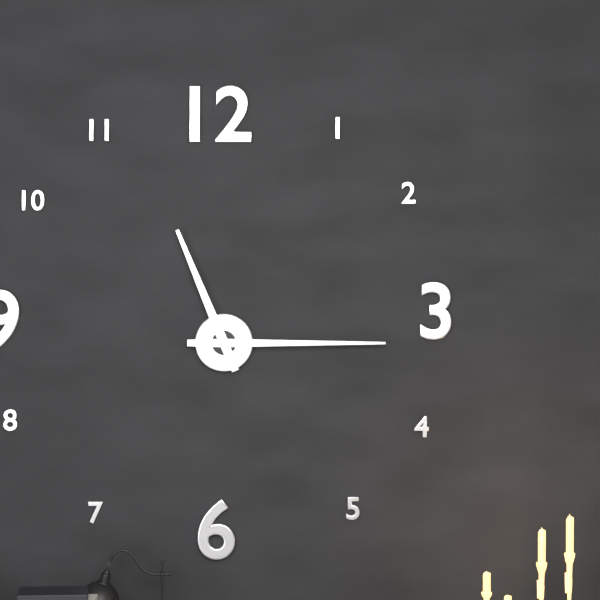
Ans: 11:15
